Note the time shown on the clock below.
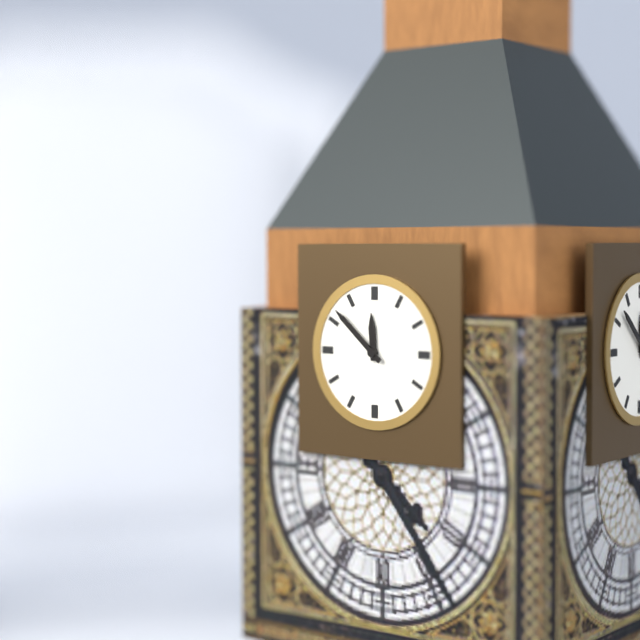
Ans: 11:52
